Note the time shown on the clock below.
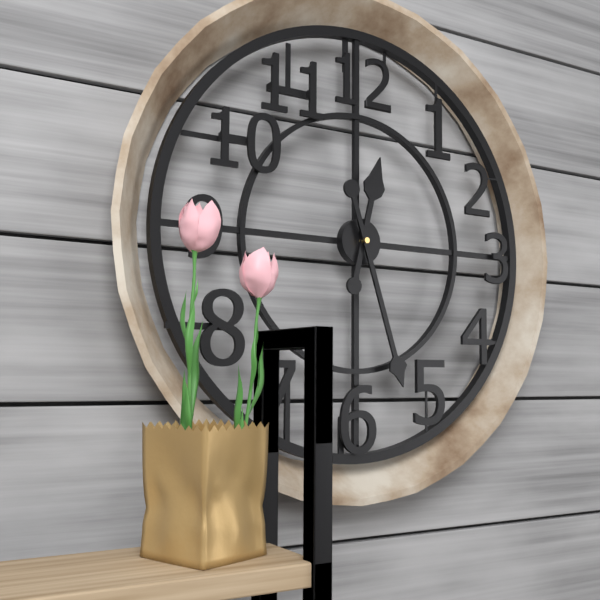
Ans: 12:27
